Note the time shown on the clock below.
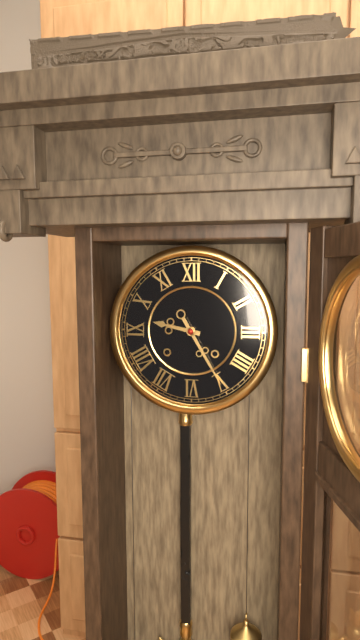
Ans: 9:25
